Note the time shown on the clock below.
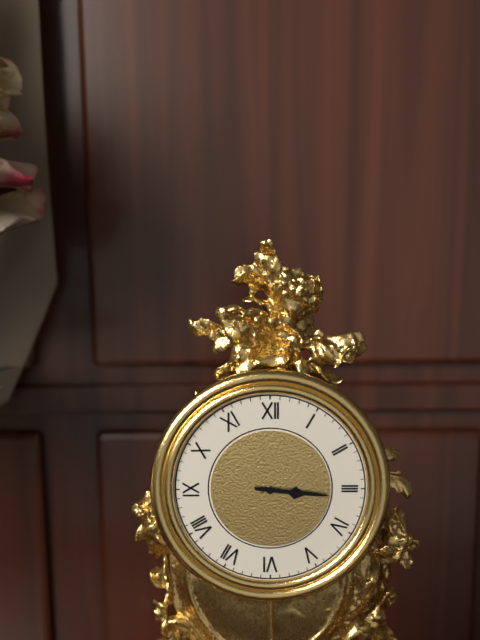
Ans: 3:16
